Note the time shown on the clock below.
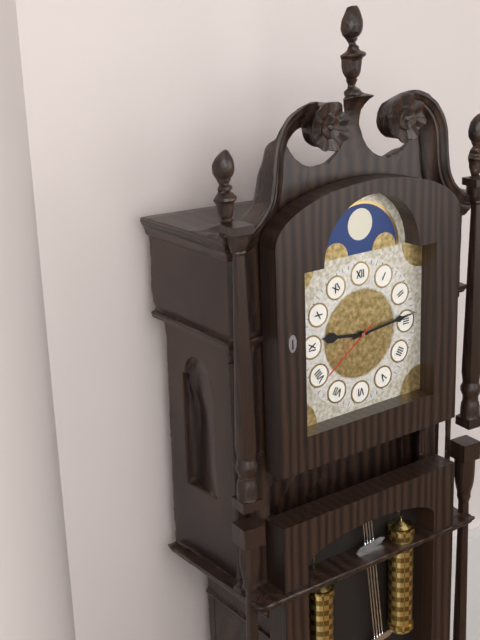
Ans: 9:14:39
